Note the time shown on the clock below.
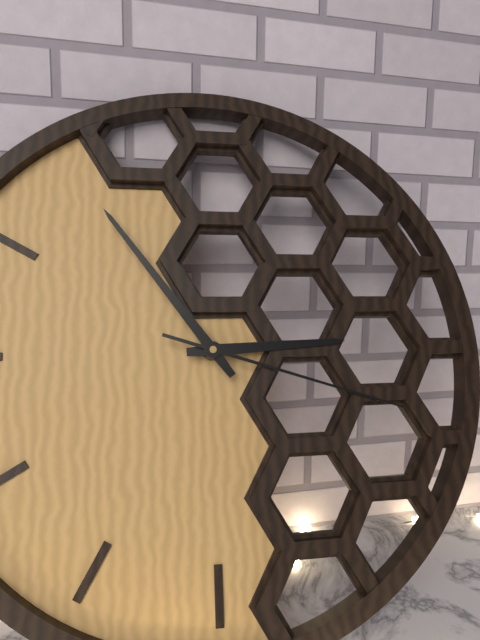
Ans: 2:54:18
